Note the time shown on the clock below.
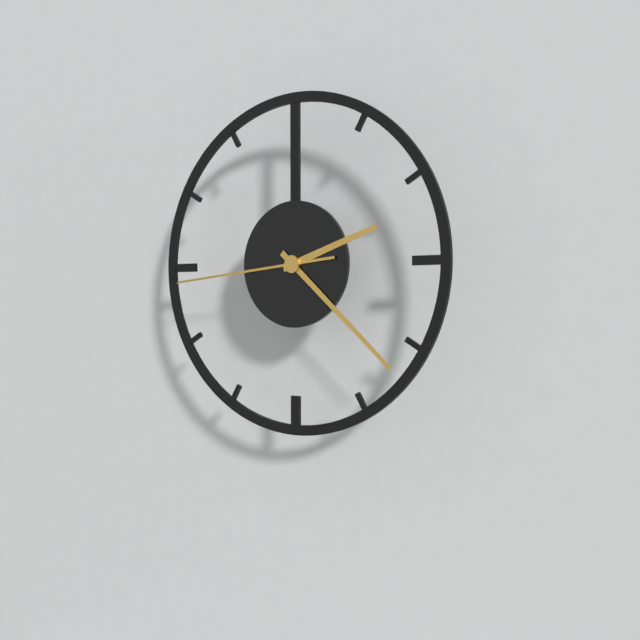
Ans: 2:22:44
